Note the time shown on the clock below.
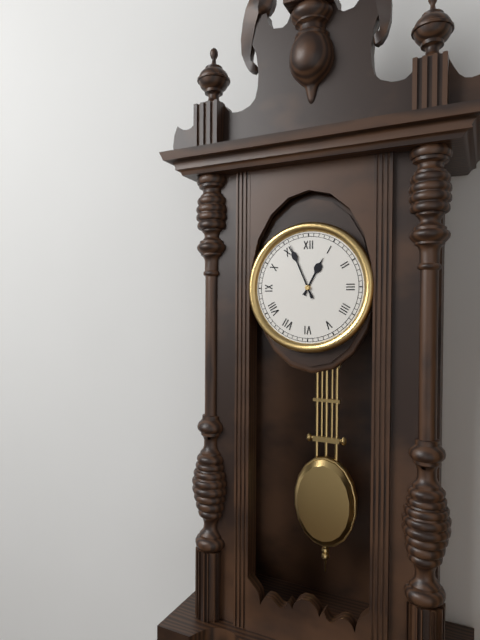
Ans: 12:56
